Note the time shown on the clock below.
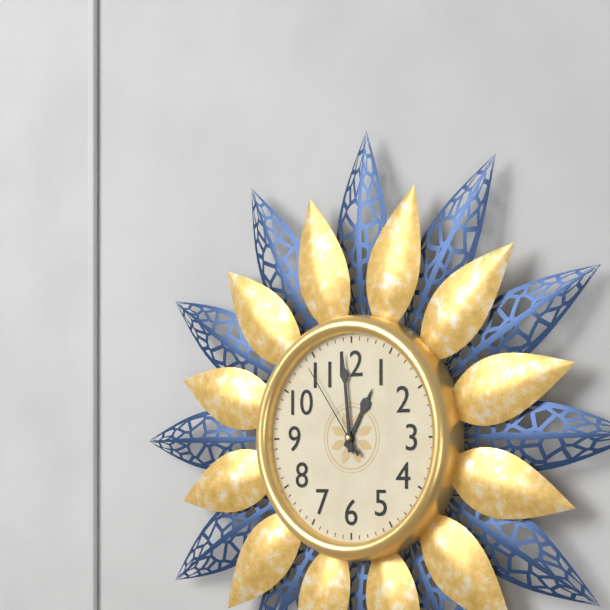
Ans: 12:59:54
